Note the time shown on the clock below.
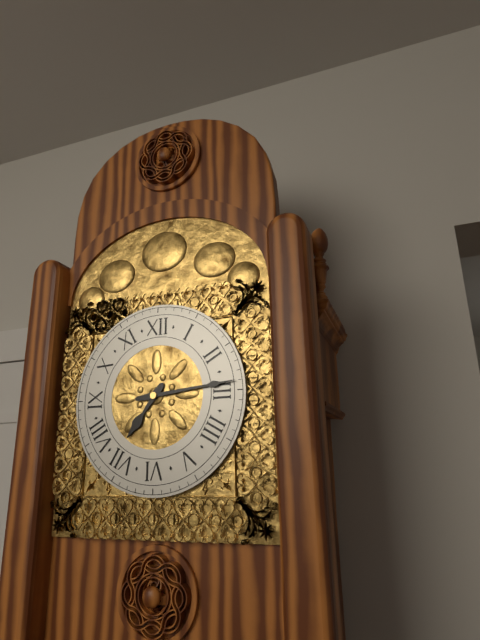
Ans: 7:14
